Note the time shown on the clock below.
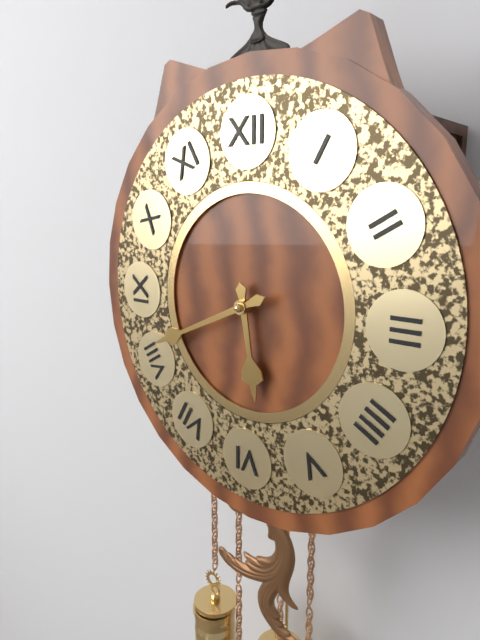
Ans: 5:41
